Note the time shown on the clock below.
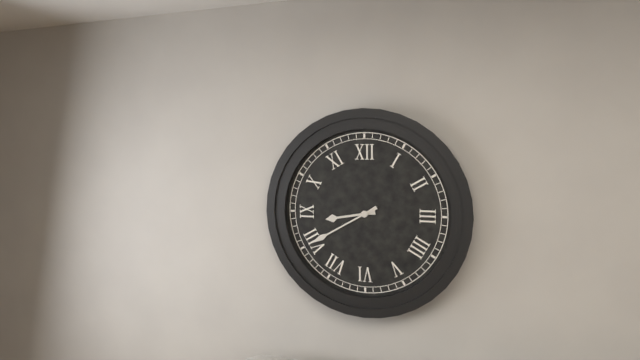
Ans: 8:40
